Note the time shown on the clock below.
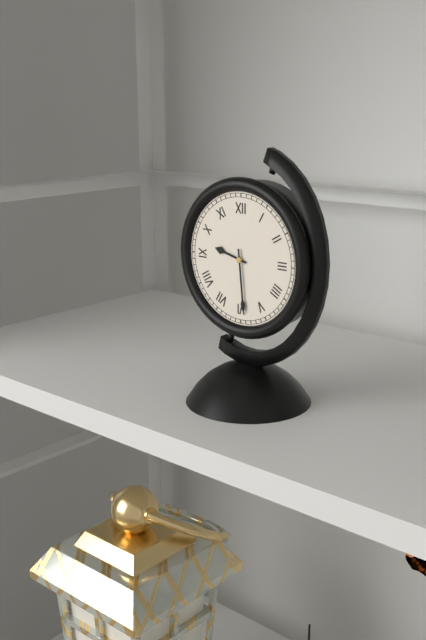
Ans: 9:29
